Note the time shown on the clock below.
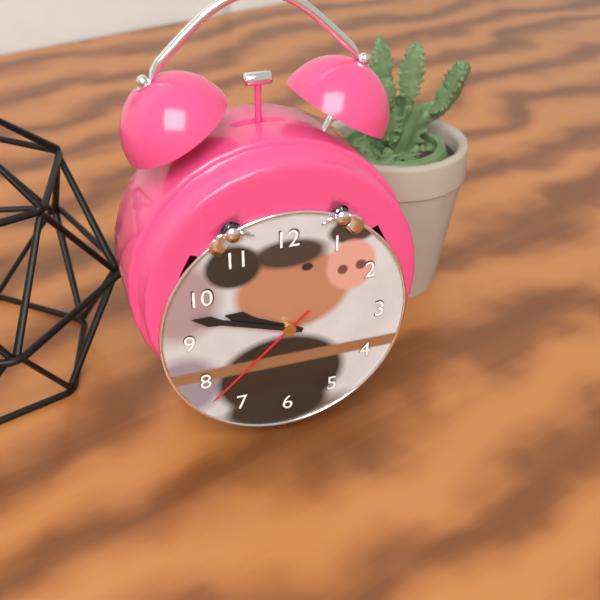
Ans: 9:48:38
